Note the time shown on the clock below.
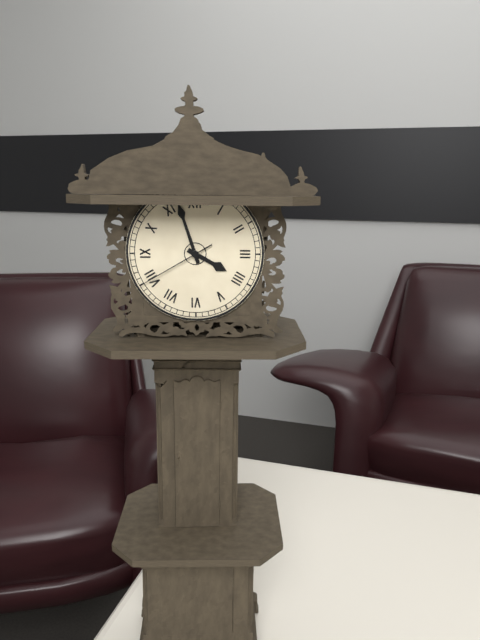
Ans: 3:57:40
